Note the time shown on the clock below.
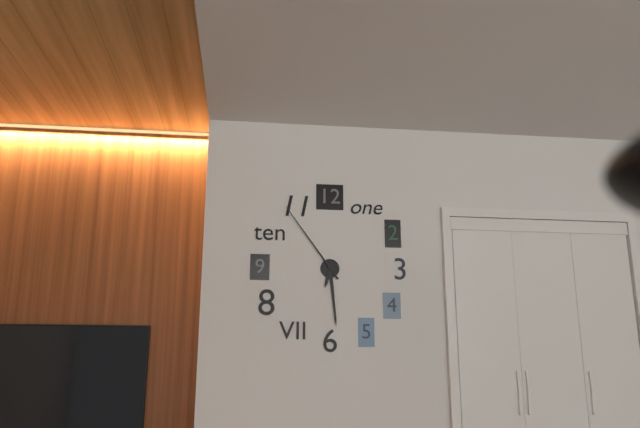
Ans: 6:29:54
